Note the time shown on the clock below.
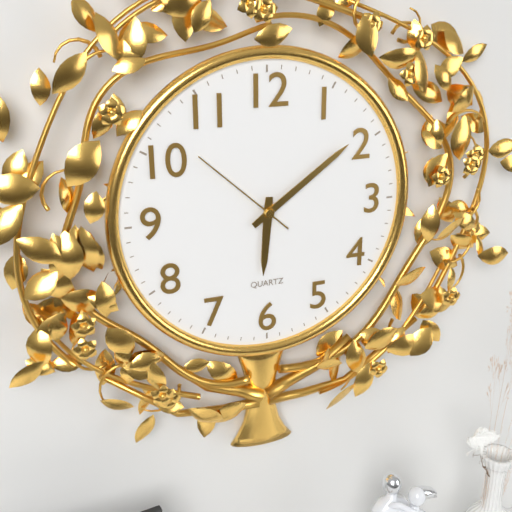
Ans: 6:09:52
